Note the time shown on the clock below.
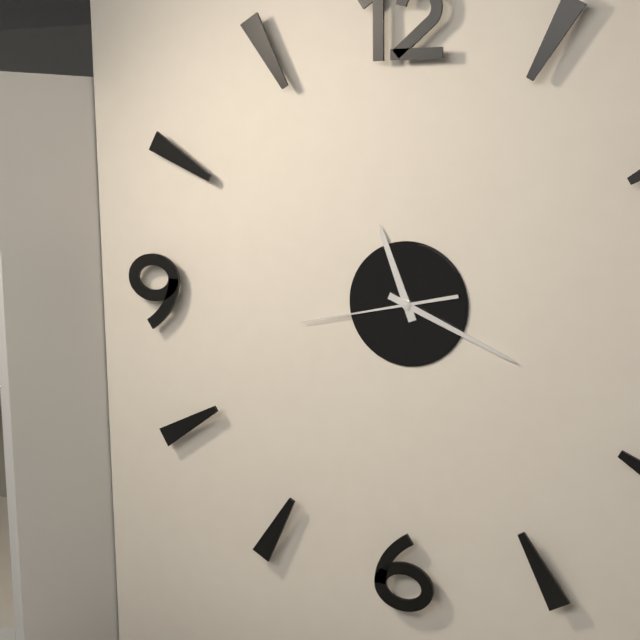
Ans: 11:19:43
